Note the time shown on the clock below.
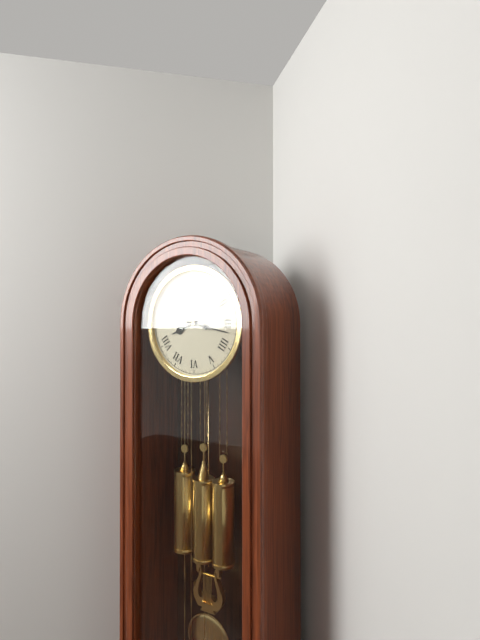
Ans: 8:17
